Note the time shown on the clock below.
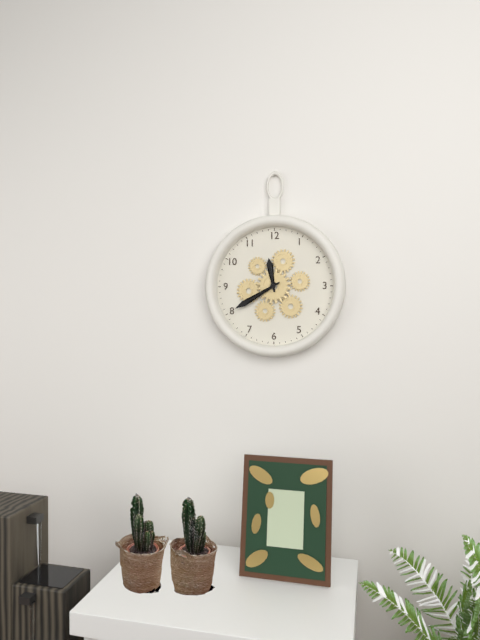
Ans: 11:40
